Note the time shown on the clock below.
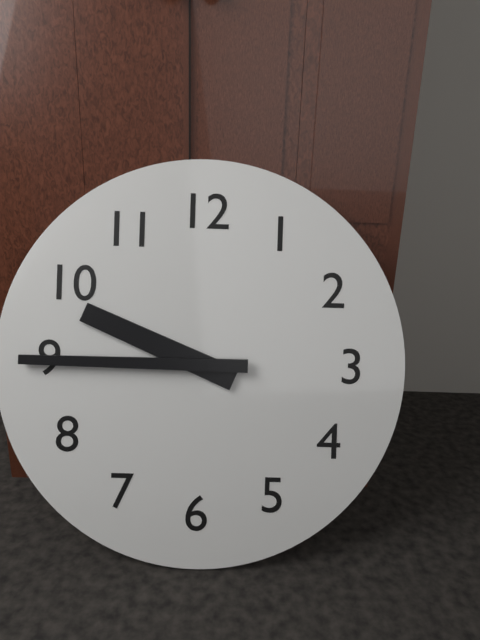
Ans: 9:45
